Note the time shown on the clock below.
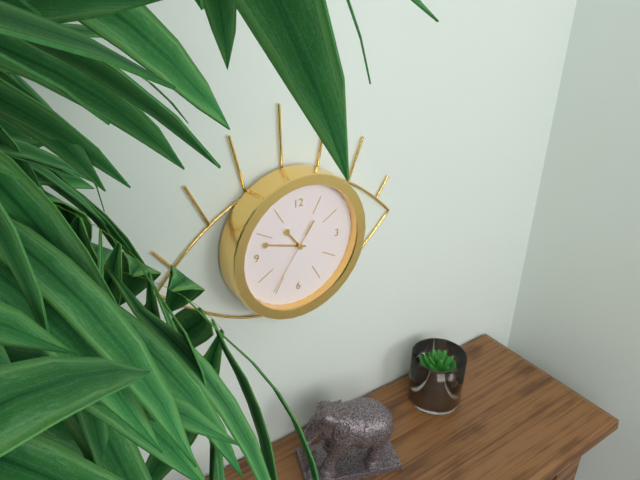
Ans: 10:48:36
